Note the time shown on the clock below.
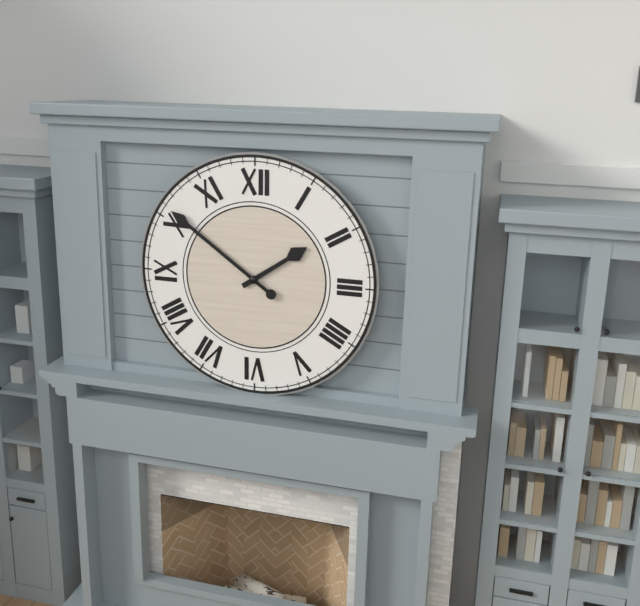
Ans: 1:51
